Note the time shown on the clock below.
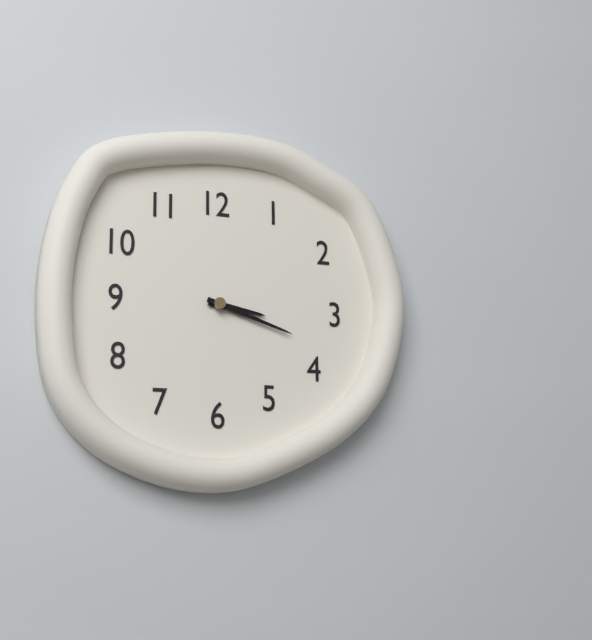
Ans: 3:18
